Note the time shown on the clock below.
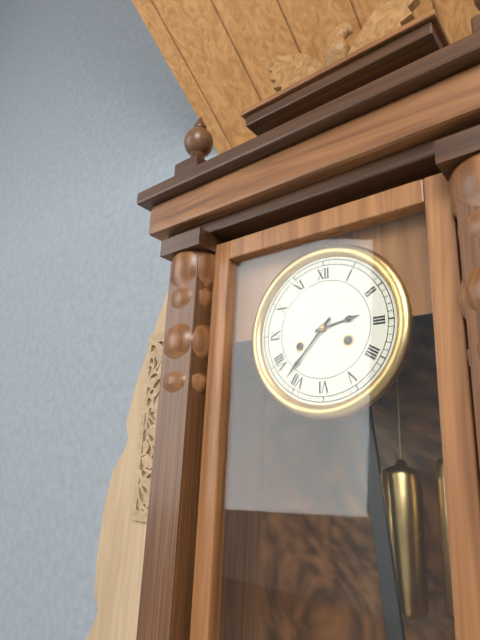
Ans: 2:37
